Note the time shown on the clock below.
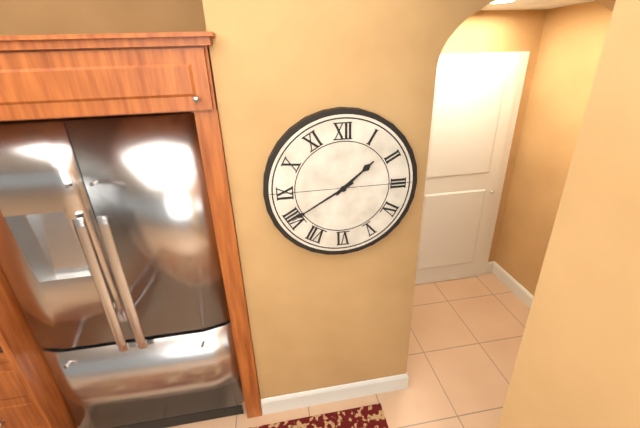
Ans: 1:40
